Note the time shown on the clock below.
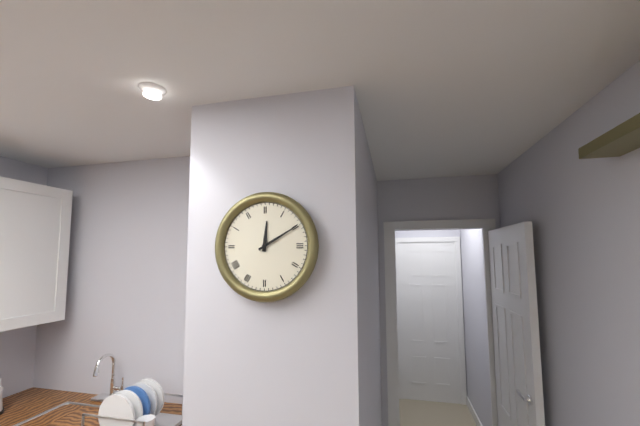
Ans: 12:10
